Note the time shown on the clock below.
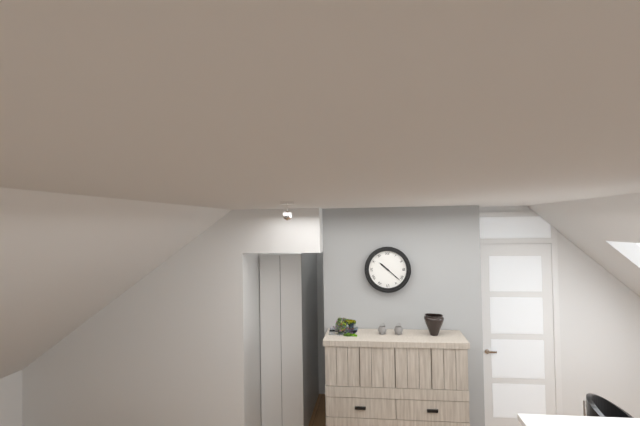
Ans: 10:22
